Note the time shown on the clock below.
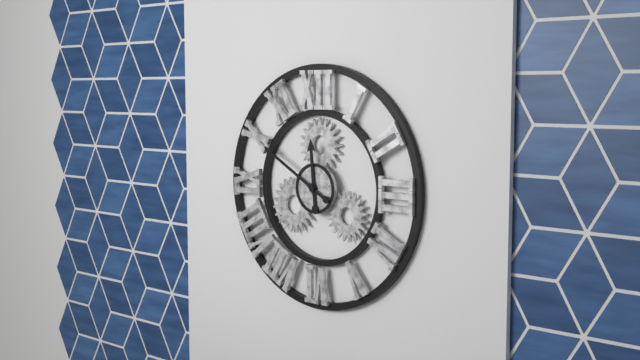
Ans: 11:50
